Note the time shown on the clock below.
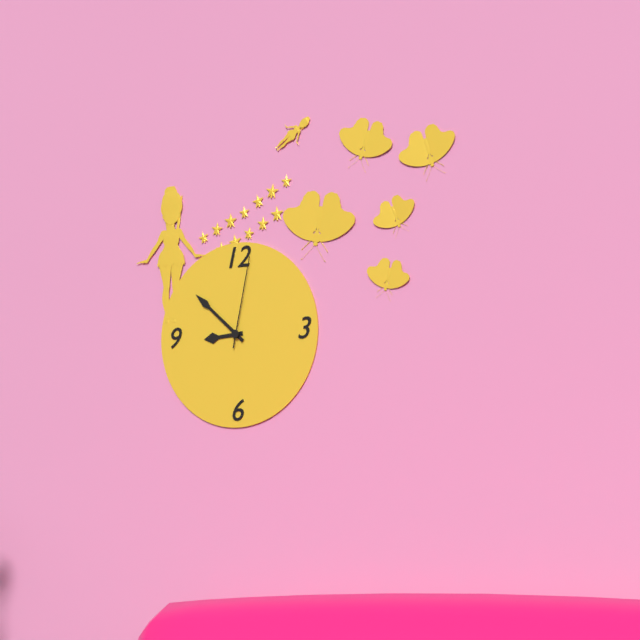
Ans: 8:52:02
